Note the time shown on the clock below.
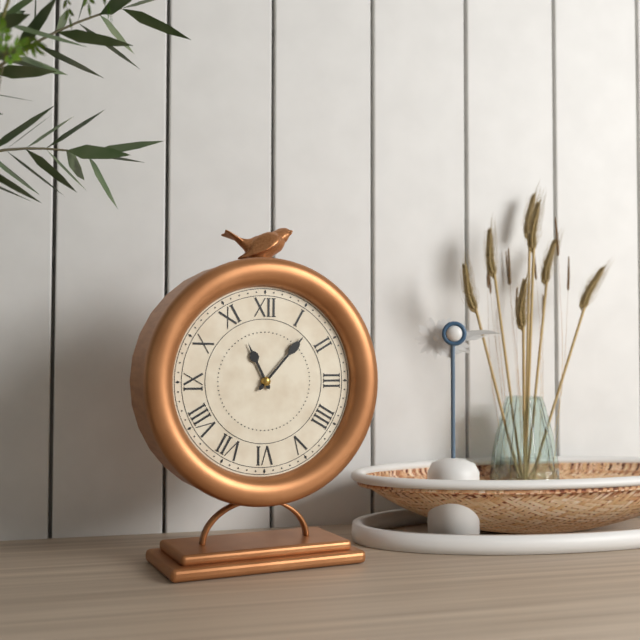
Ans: 11:07
